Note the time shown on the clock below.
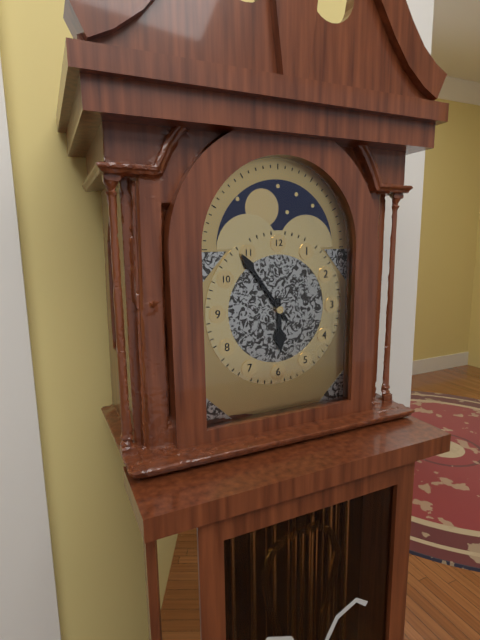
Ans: 5:54
